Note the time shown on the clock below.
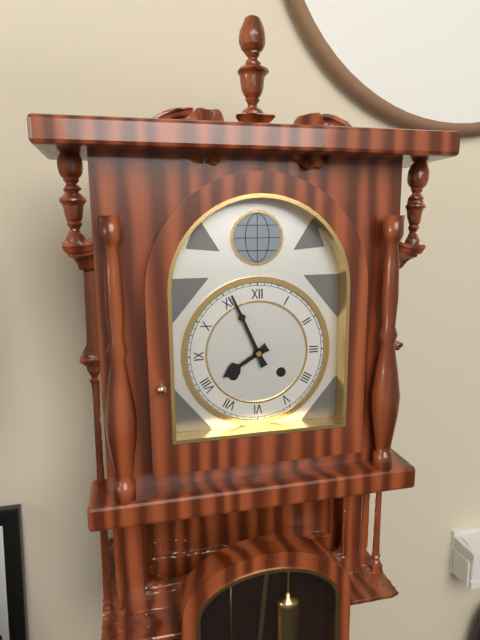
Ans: 7:56
